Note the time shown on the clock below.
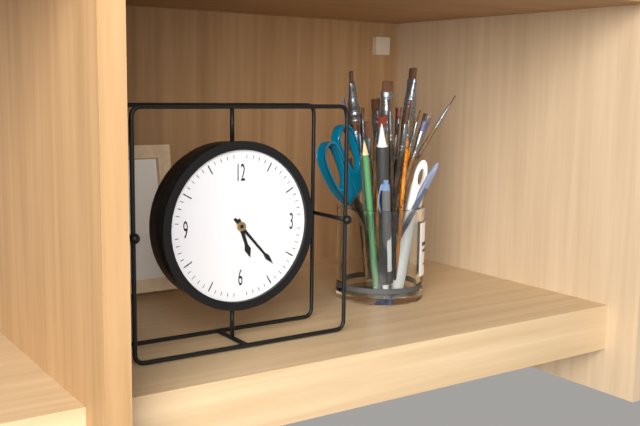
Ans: 5:23
